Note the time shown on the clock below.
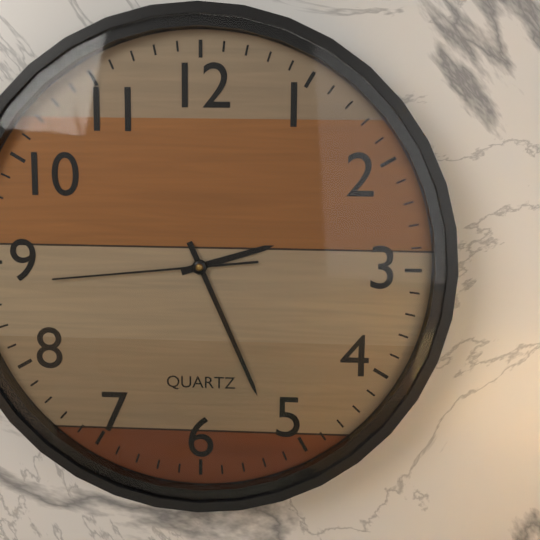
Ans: 2:26:44
